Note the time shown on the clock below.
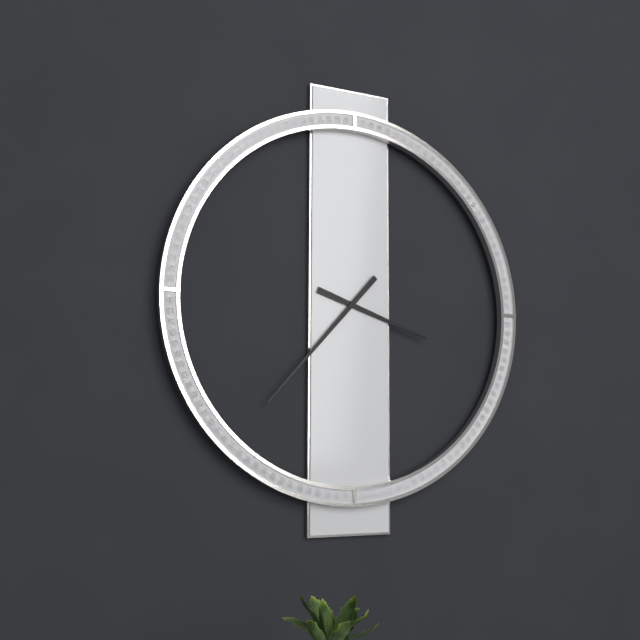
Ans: 3:37
